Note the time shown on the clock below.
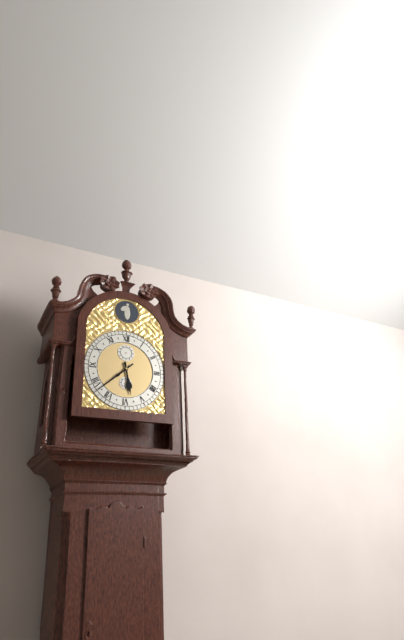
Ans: 5:38
